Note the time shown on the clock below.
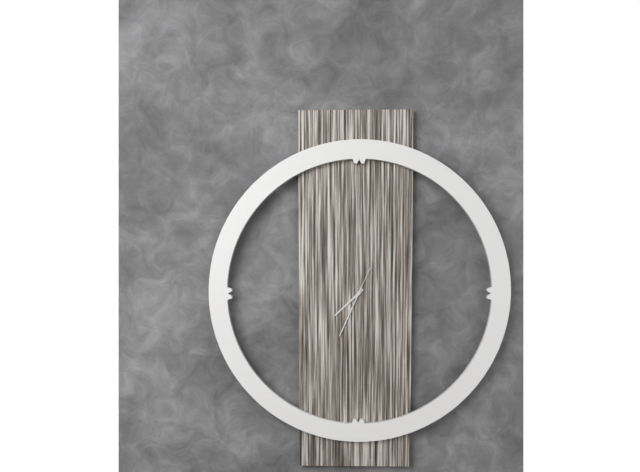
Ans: 7:34
